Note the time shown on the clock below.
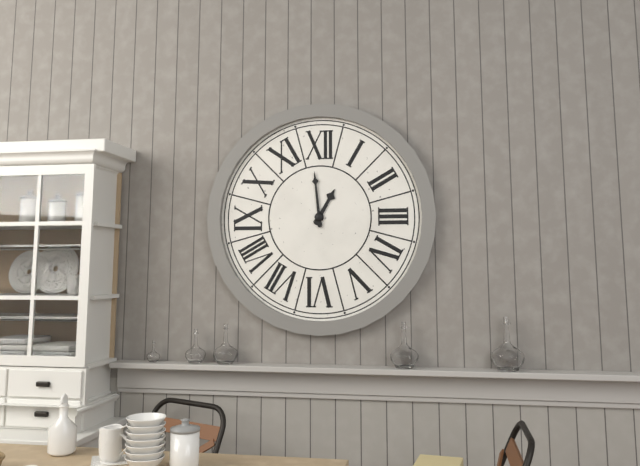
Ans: 12:59
